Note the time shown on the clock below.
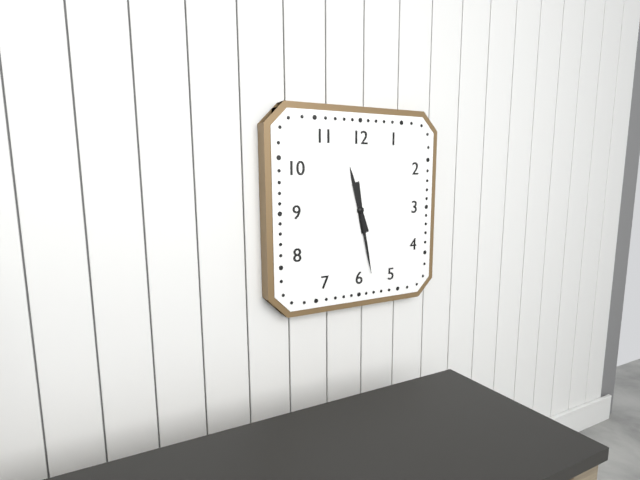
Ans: 11:28
